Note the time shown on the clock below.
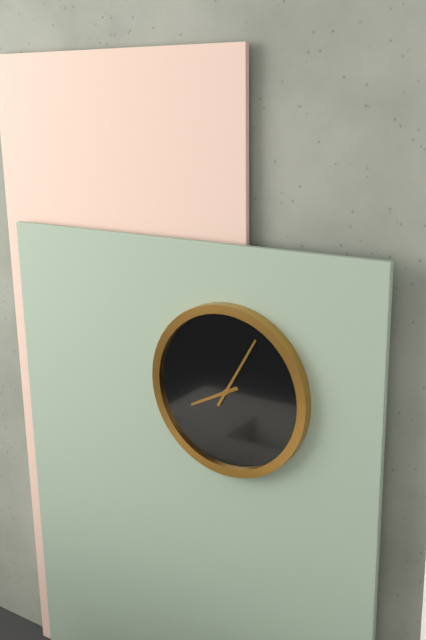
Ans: 8:05
